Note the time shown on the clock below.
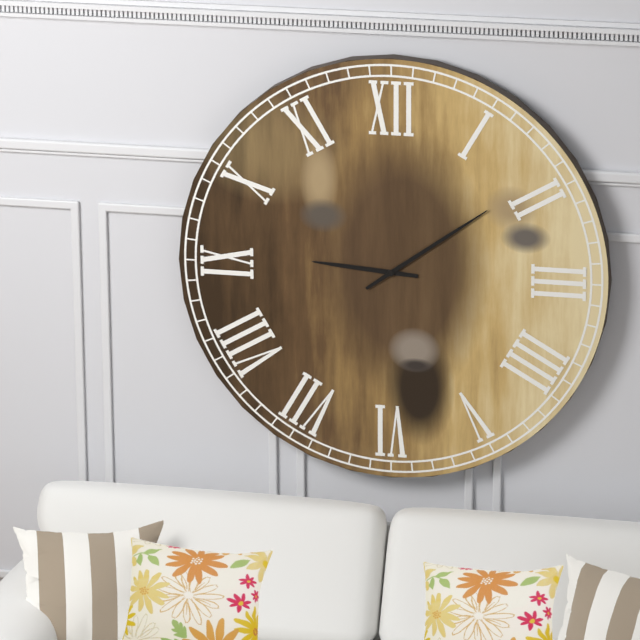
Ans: 9:09
